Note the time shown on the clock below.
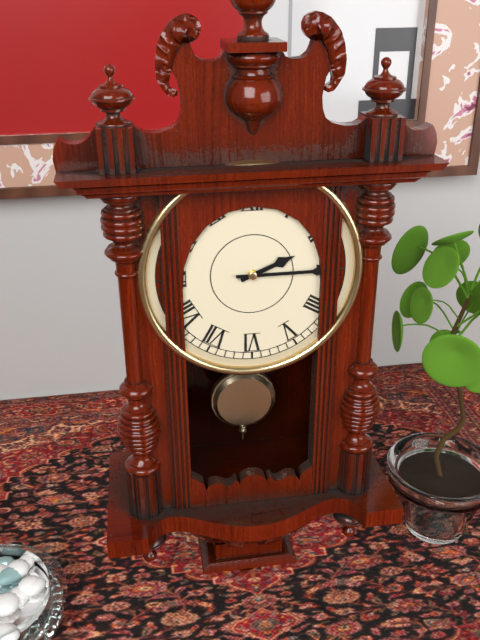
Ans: 2:15
